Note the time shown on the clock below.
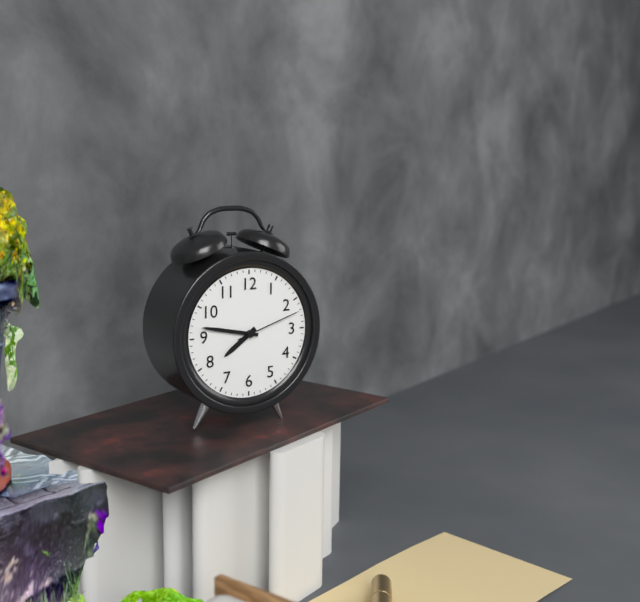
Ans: 7:47:12
